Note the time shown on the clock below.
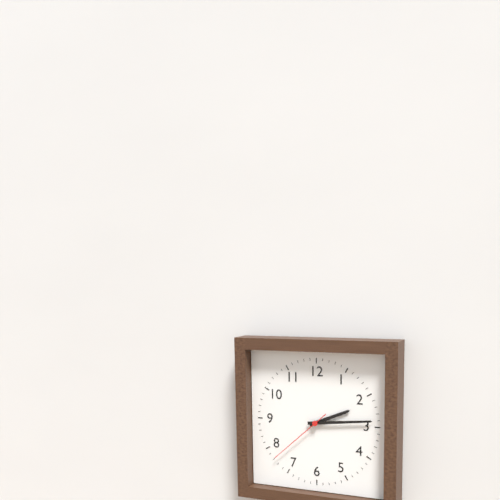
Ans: 2:14:38
